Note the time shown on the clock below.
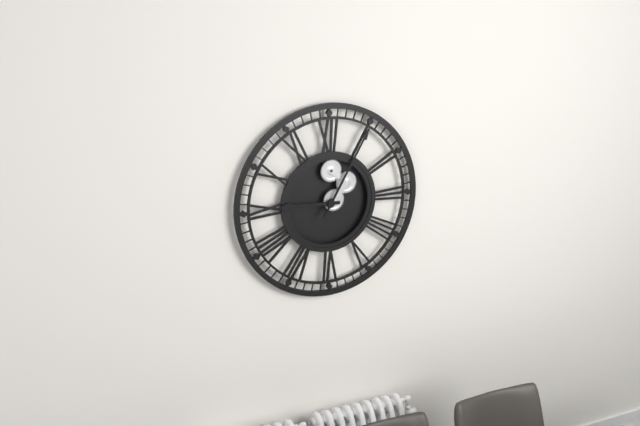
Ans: 9:05
